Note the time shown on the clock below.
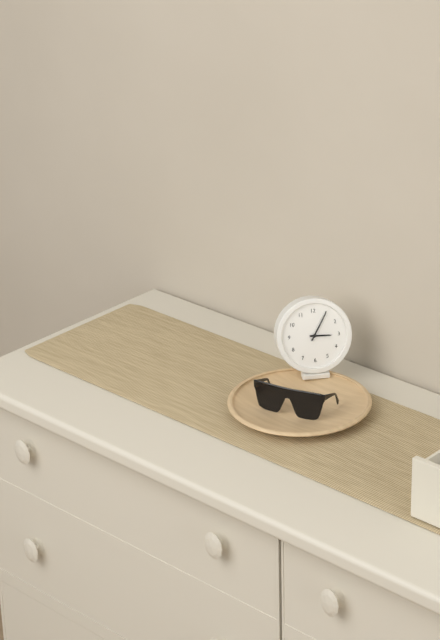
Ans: 3:05
